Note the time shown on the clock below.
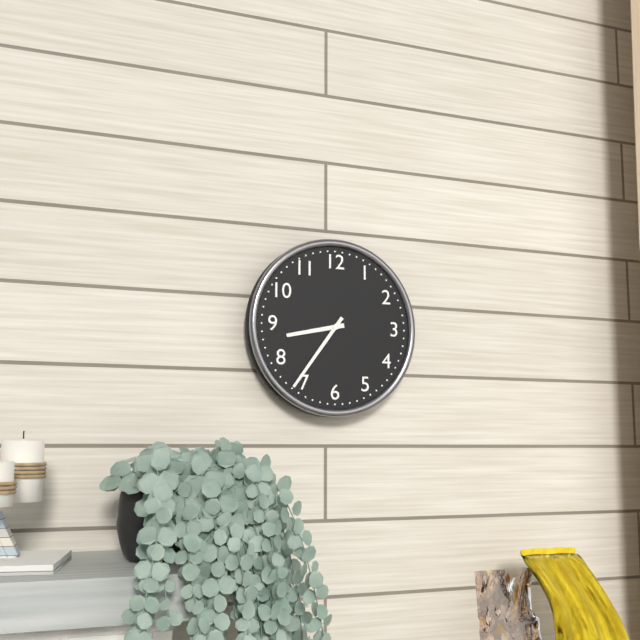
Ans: 8:36
